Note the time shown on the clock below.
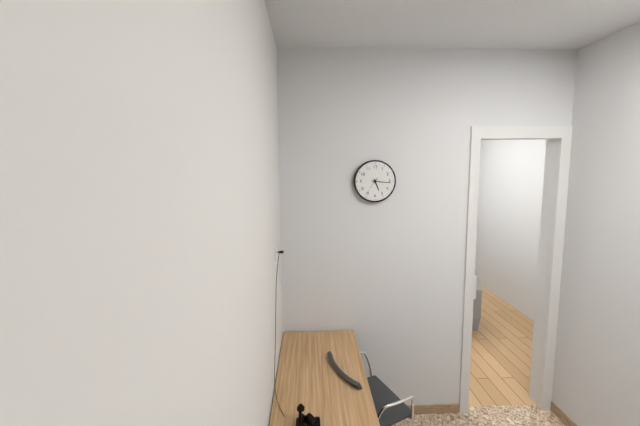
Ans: 5:16
